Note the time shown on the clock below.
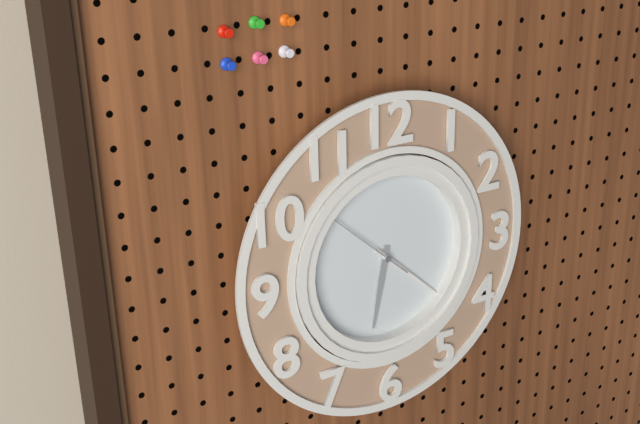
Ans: 6:22:52
